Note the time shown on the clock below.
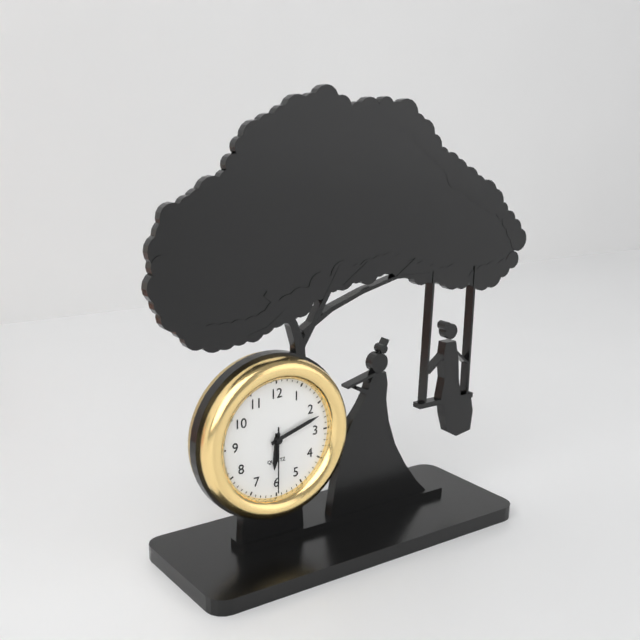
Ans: 6:12:30
